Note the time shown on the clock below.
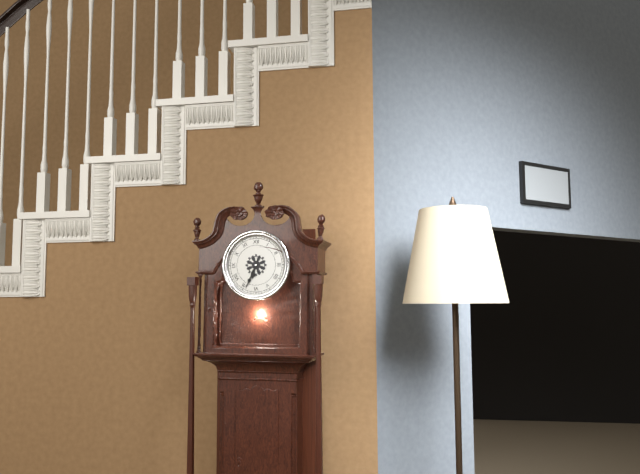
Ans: 6:34
